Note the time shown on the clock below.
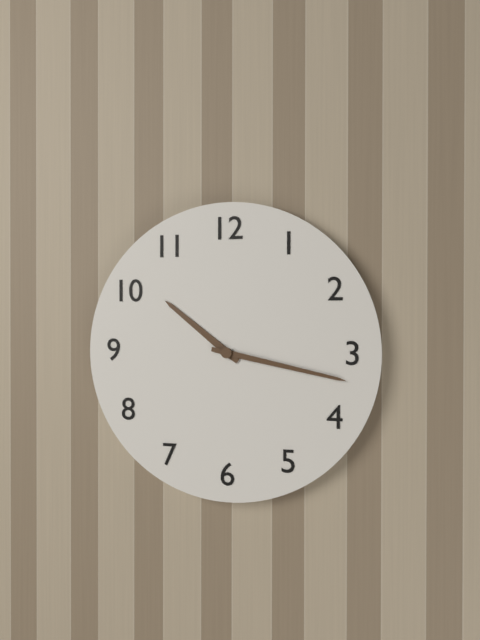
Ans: 10:17
